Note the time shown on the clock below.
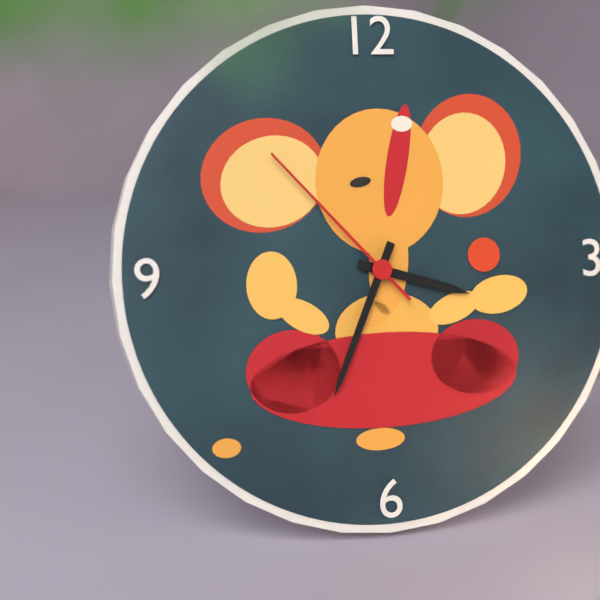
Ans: 3:34:53
